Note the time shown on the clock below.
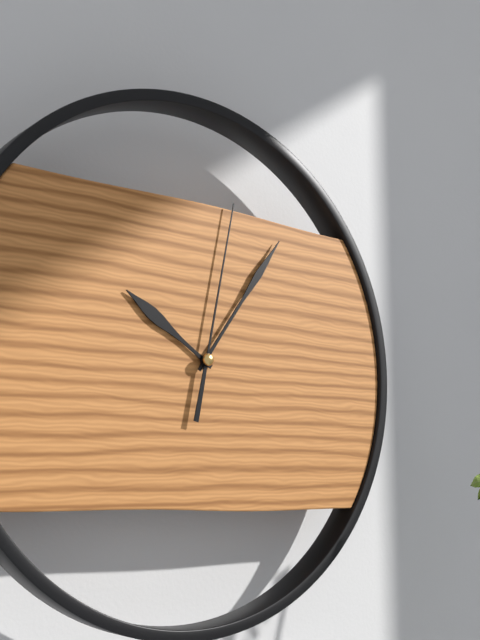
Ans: 10:06:02
